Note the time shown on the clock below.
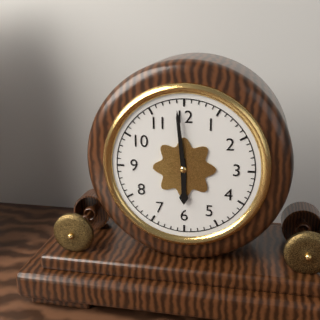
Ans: 5:59
